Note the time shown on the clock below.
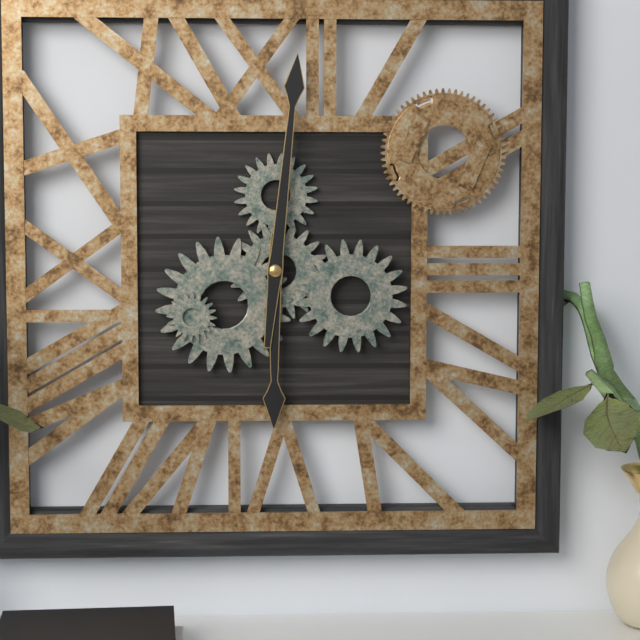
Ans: 6:01
